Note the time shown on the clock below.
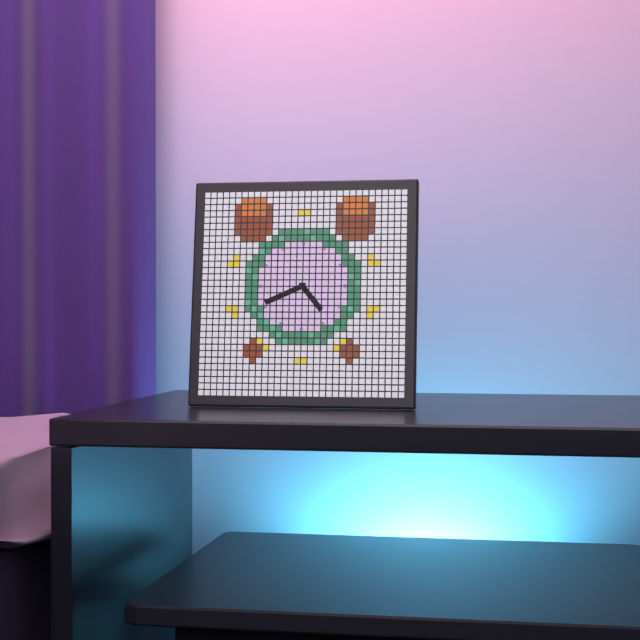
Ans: 4:41
